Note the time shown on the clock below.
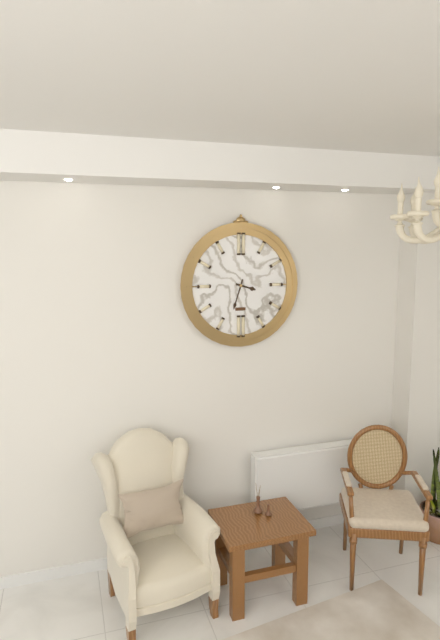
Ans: 3:33
